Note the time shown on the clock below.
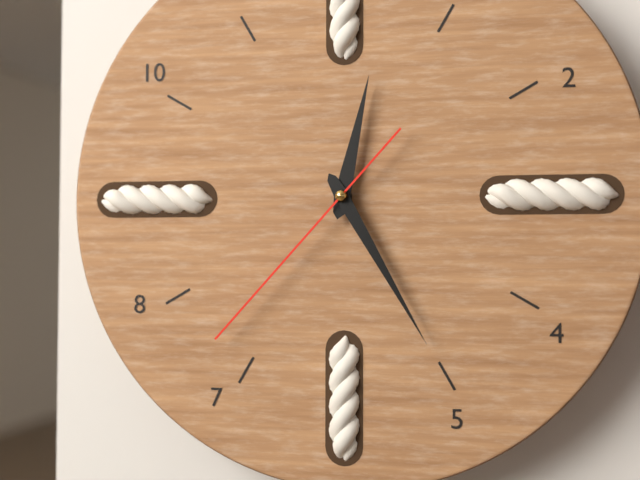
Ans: 12:25:37
